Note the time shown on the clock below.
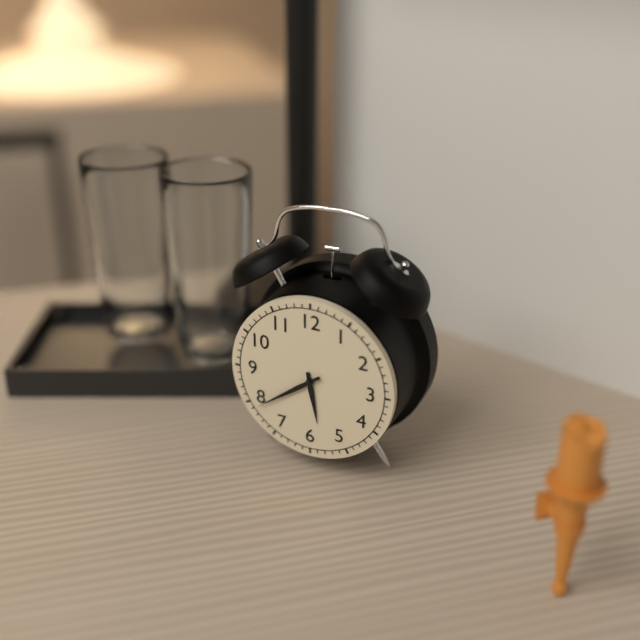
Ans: 5:39
